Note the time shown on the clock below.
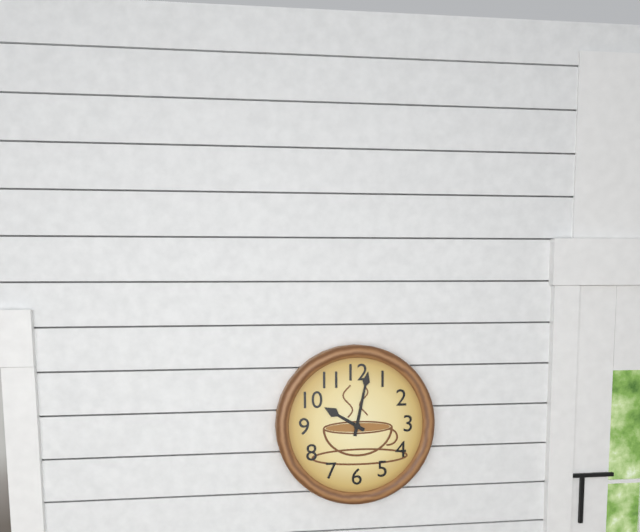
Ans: 10:02
